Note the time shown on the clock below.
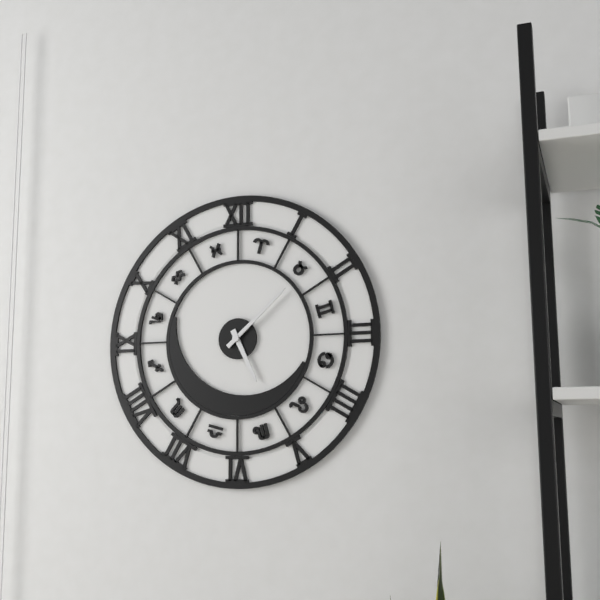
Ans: 5:08
